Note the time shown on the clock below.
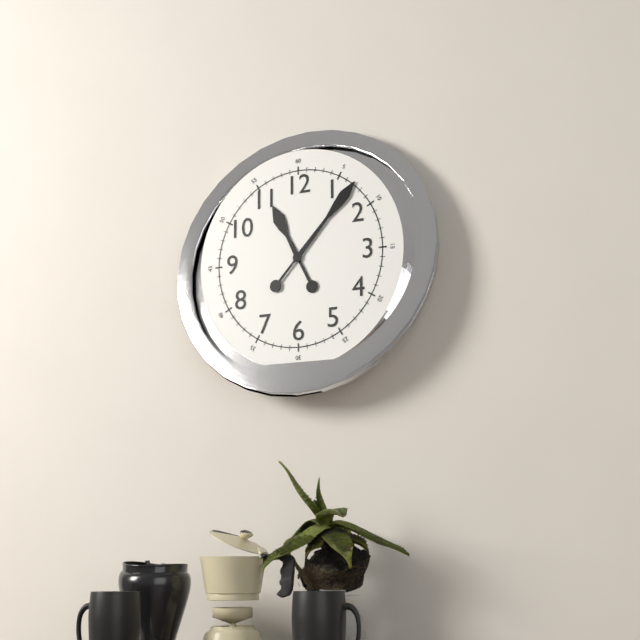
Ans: 11:07
